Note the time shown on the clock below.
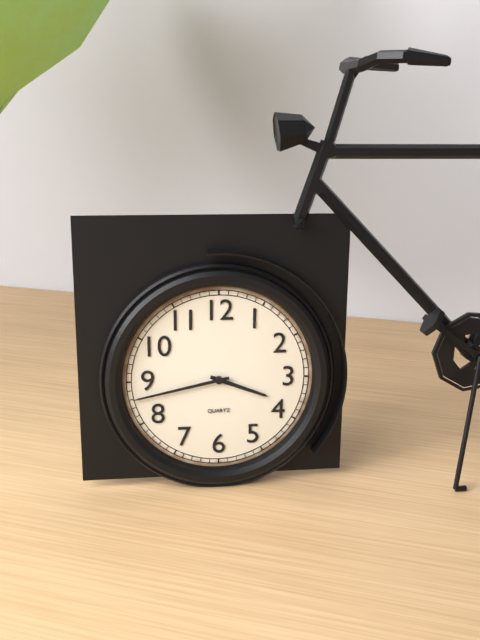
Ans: 3:43
